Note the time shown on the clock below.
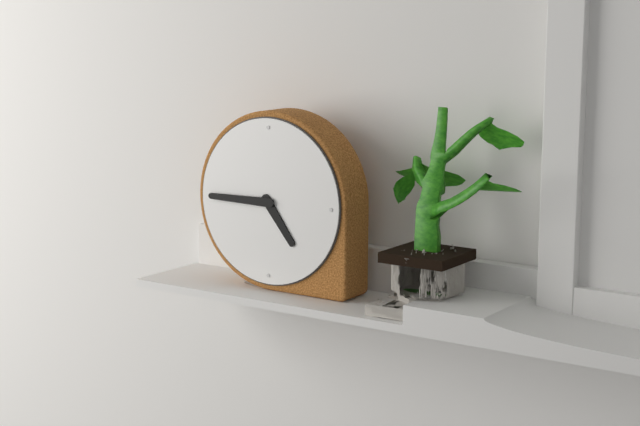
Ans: 4:45
